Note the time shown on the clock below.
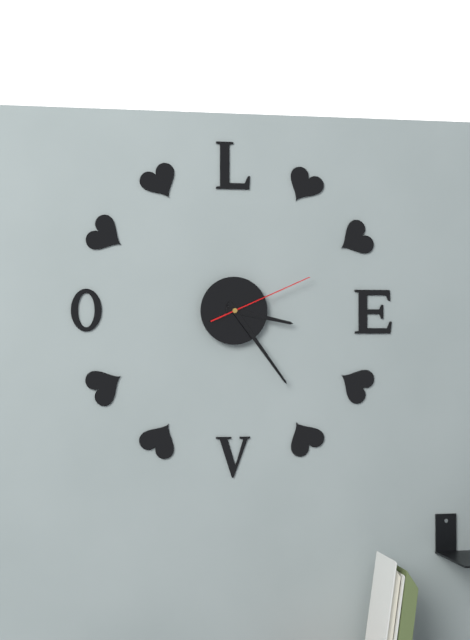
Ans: 3:24:11
